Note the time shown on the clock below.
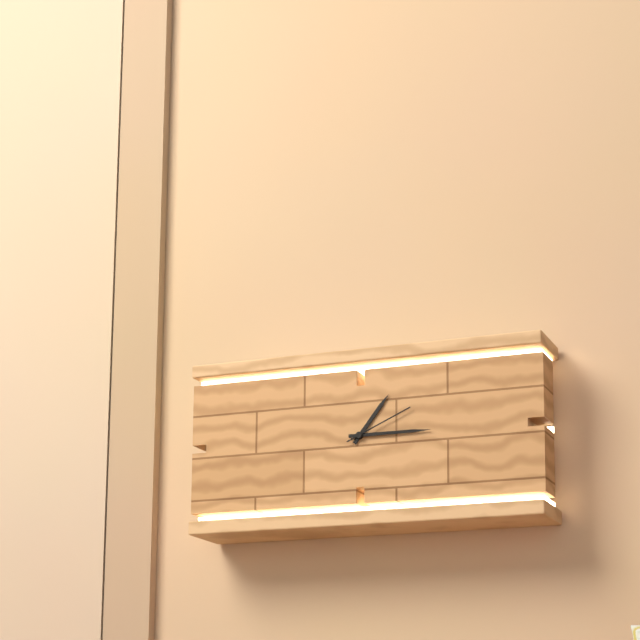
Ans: 1:15:11
